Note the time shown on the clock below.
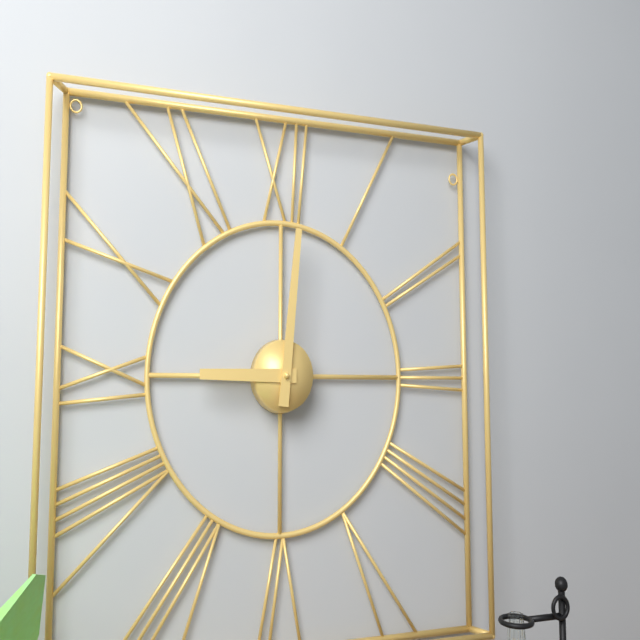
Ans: 9:01
